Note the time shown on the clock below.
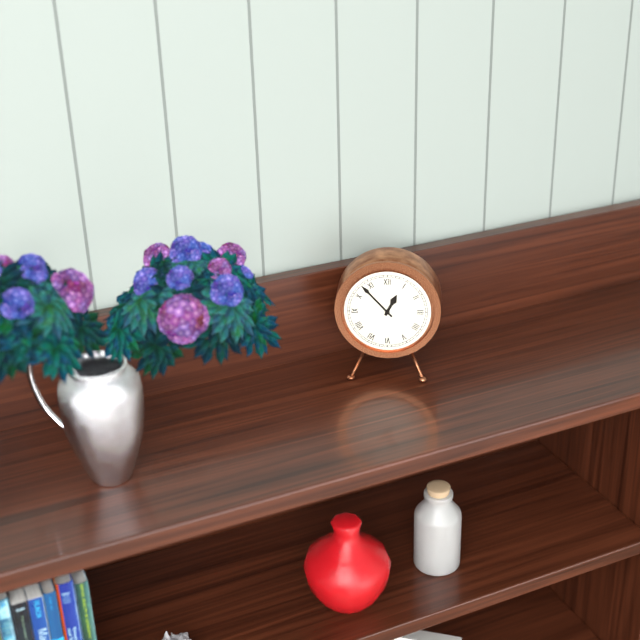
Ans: 12:53
